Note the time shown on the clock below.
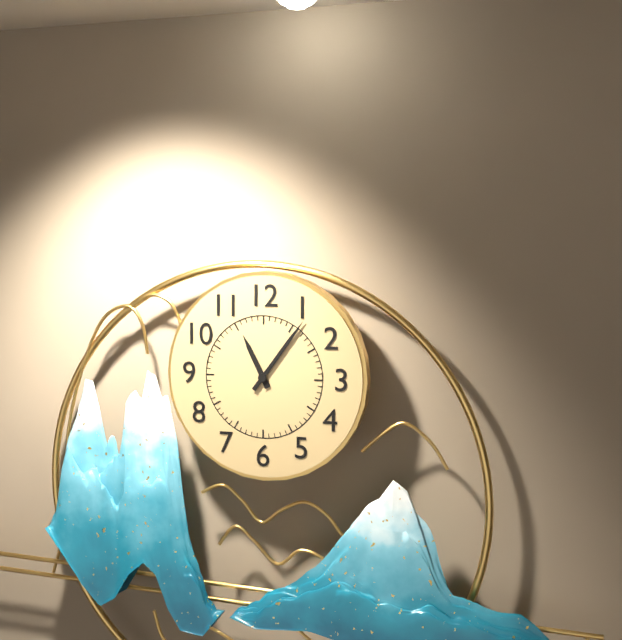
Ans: 11:06
